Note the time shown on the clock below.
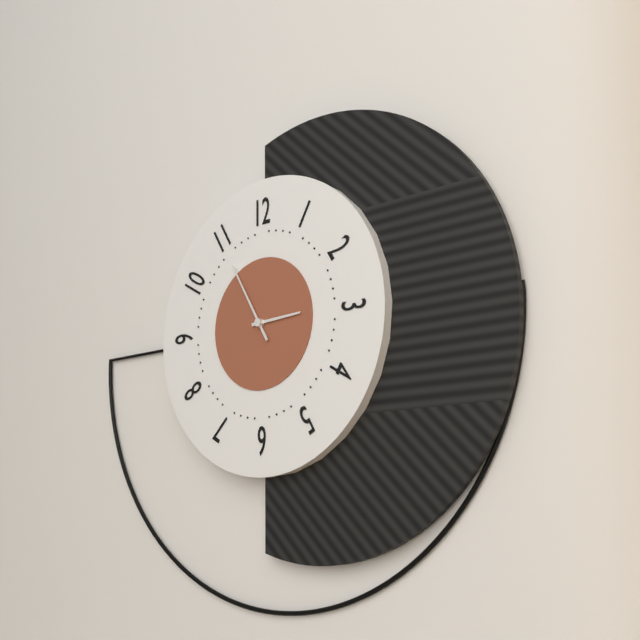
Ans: 2:55
